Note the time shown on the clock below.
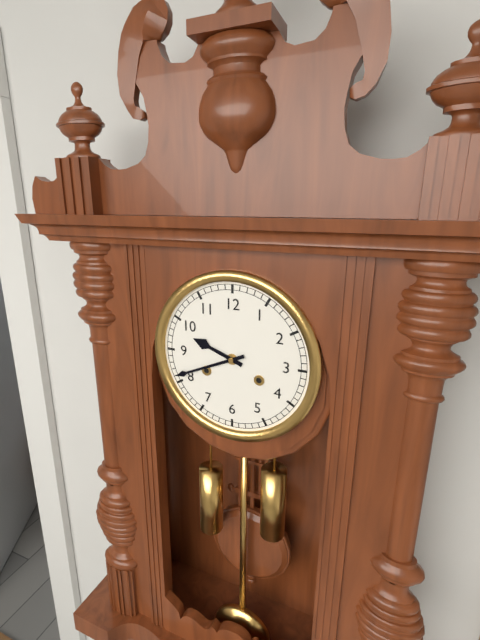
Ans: 9:41
